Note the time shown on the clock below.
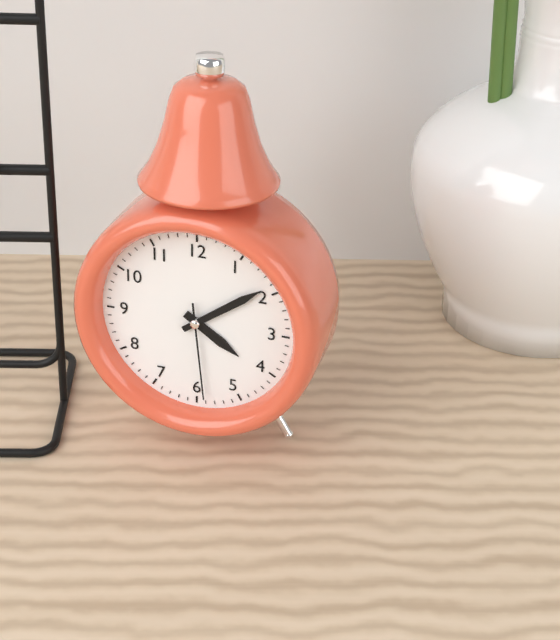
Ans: 4:09:29
